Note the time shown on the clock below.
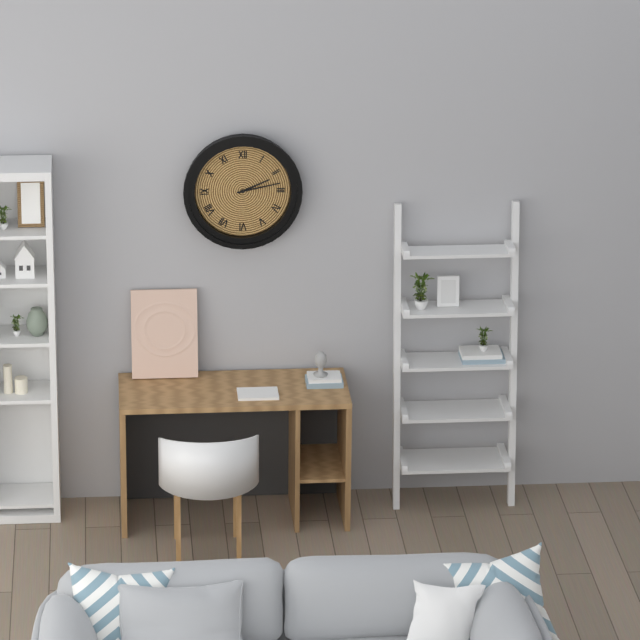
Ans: 2:13
